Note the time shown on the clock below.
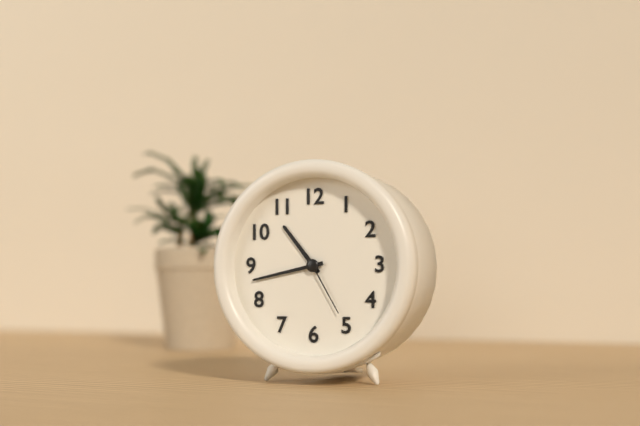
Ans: 10:43:25
